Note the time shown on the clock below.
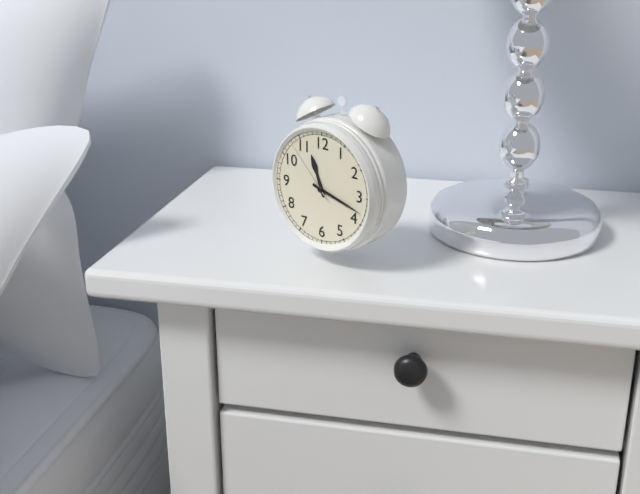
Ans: 11:18:53
